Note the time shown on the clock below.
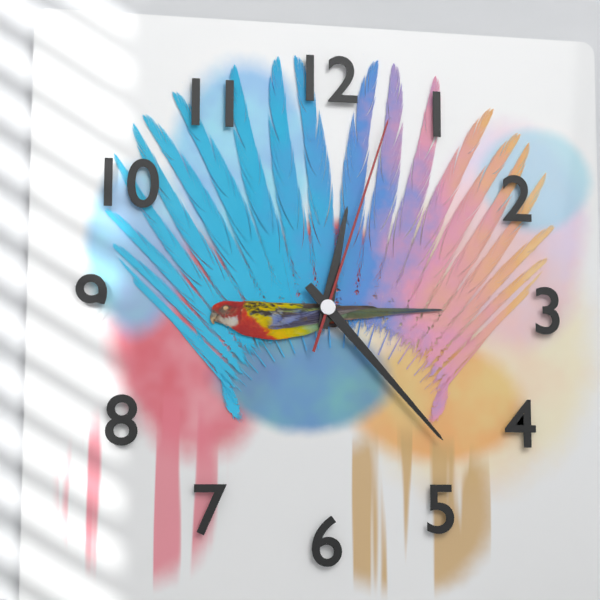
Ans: 12:23:03
